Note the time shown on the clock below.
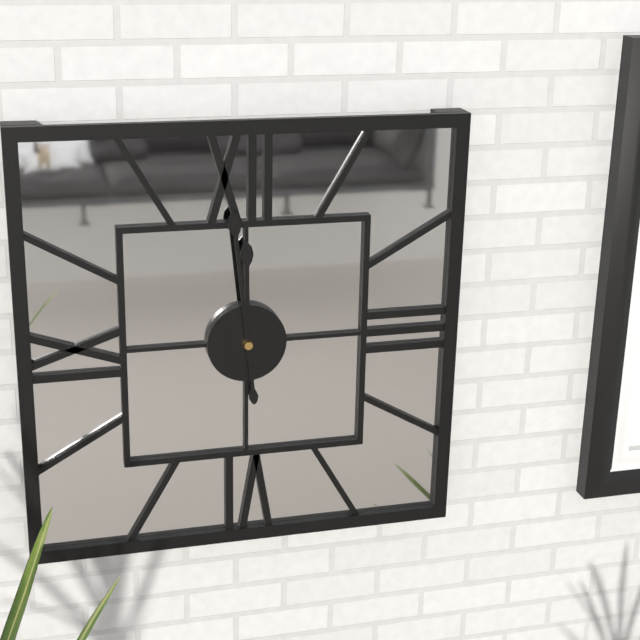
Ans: 11:59
